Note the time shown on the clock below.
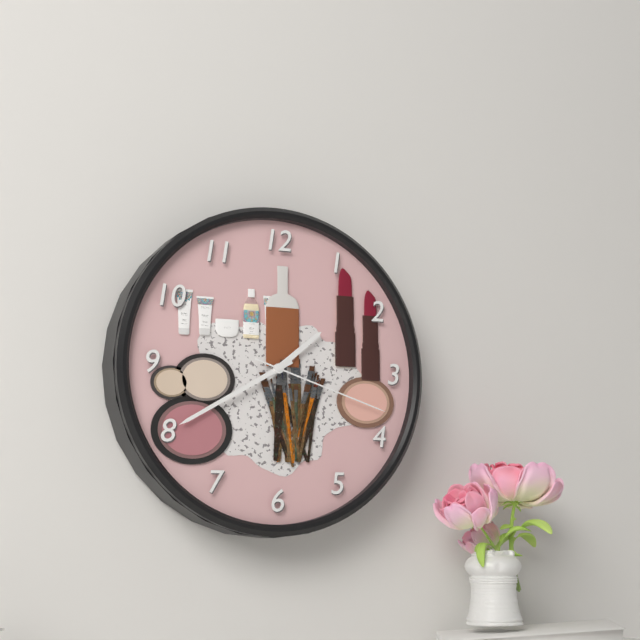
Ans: 1:40:18
